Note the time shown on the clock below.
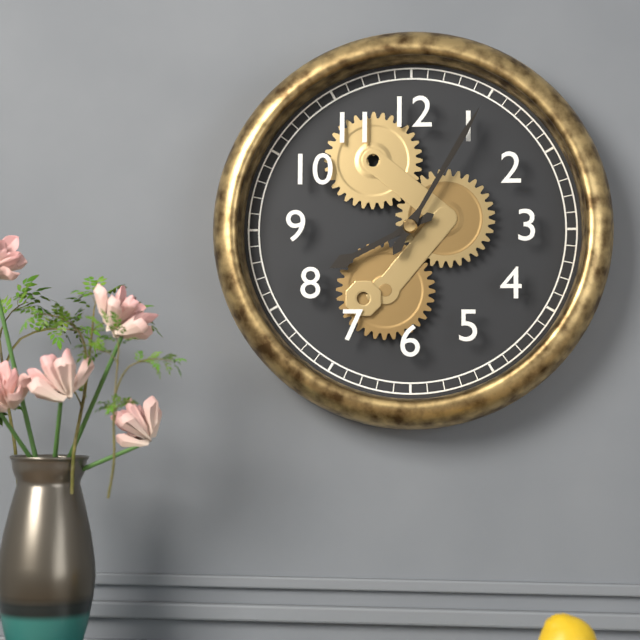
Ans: 8:05
